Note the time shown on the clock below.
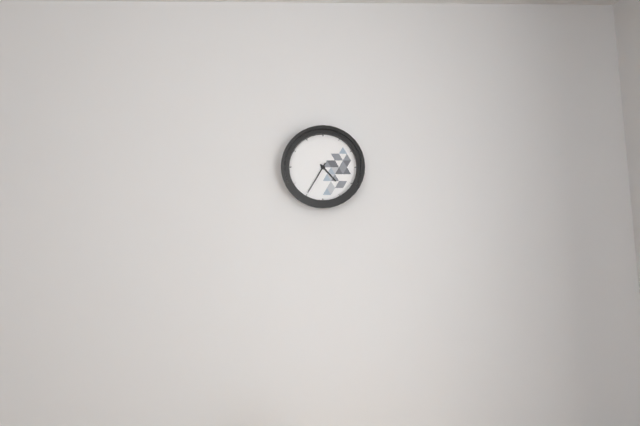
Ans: 4:35
